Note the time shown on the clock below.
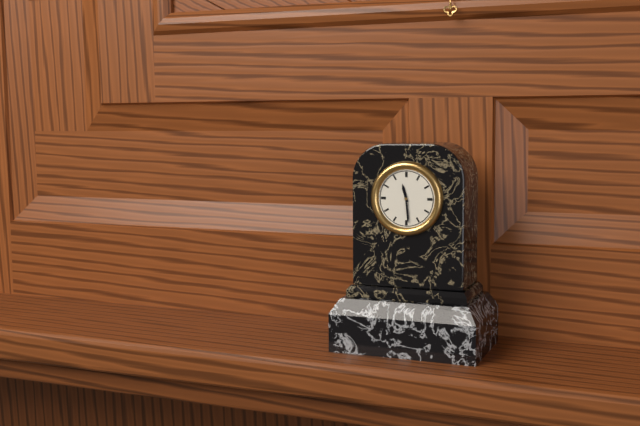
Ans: 11:29
